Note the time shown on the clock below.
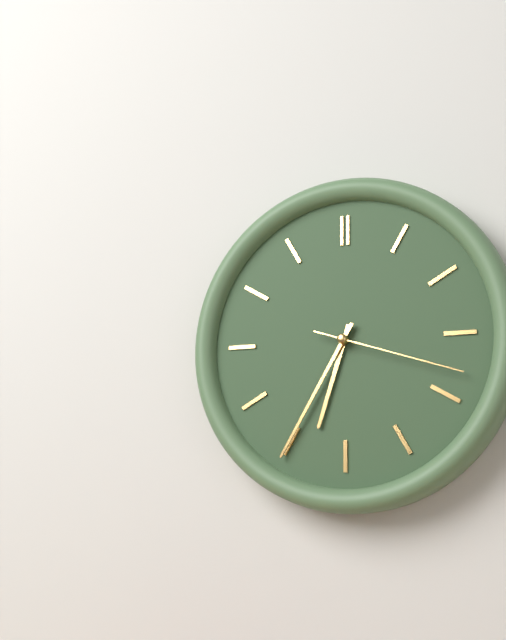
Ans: 6:35:18
